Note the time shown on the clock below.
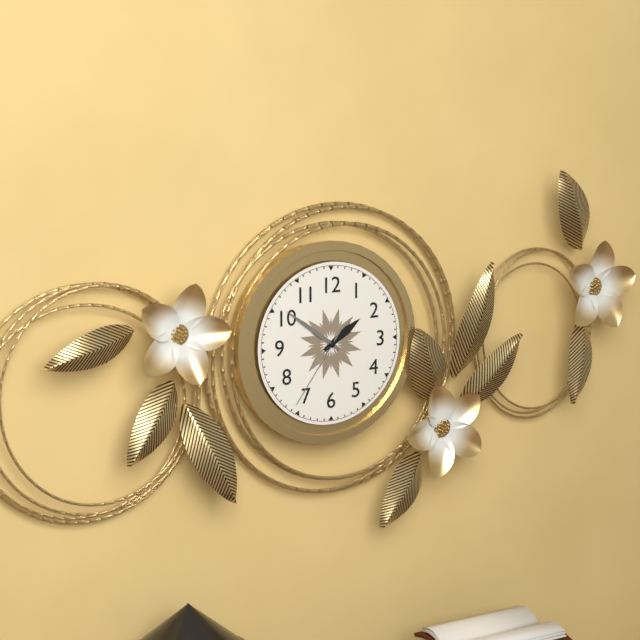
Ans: 1:51:36
